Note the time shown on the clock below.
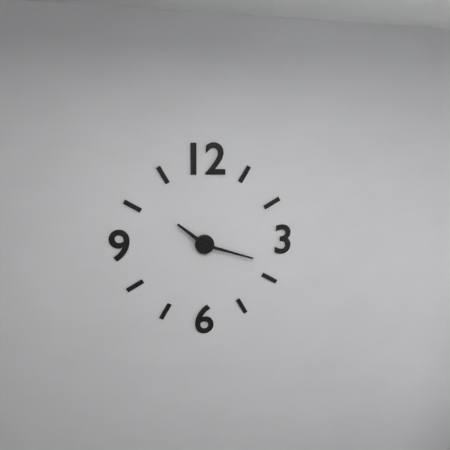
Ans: 10:18
